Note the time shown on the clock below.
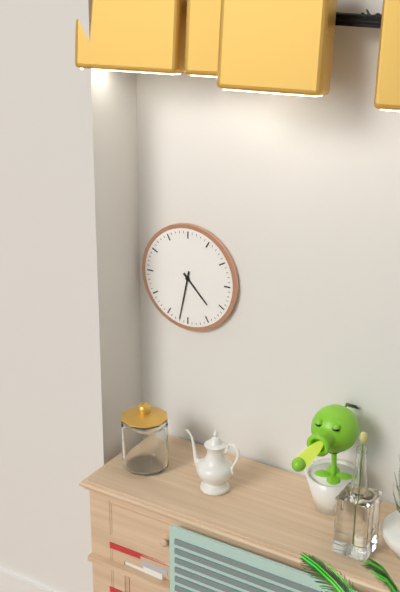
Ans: 4:32
